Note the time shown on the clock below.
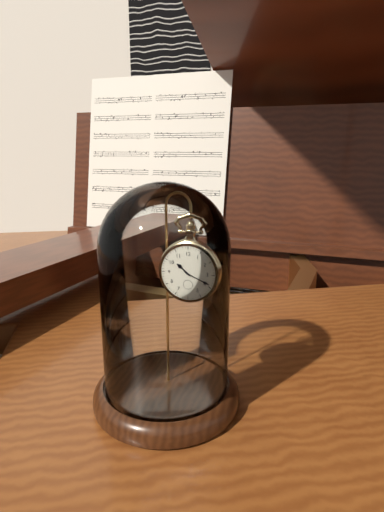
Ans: 10:19
